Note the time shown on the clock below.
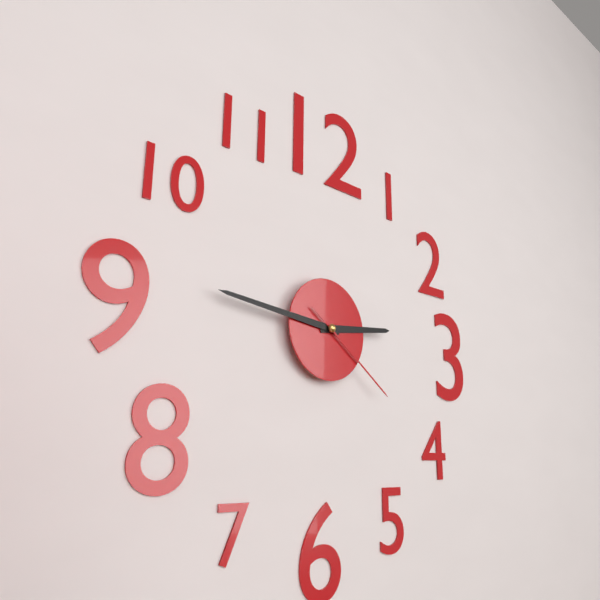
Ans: 2:46:21
